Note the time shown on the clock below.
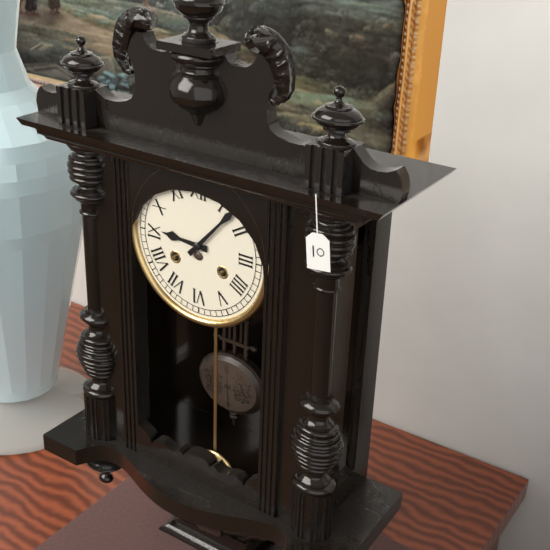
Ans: 9:07
